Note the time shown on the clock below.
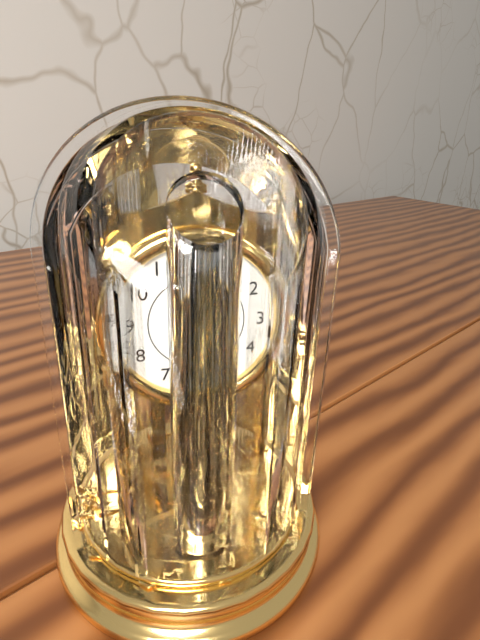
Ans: 12:31
